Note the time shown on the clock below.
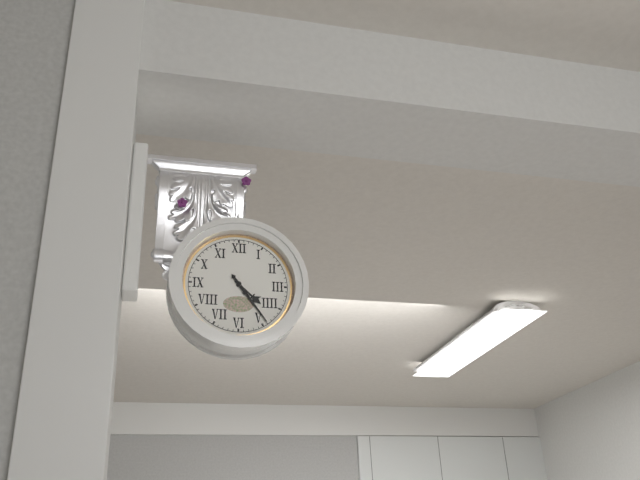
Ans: 4:24
